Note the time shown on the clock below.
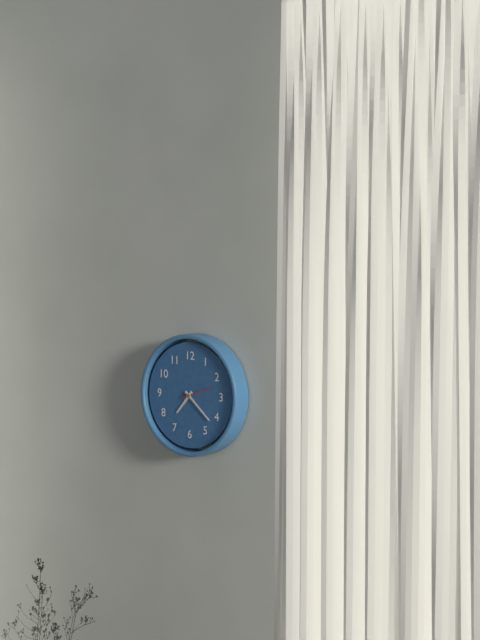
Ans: 7:22
